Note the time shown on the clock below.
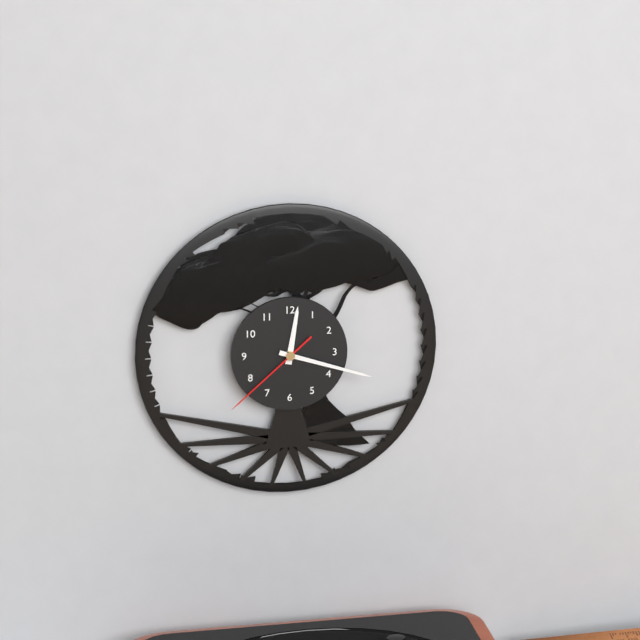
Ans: 12:18:38
